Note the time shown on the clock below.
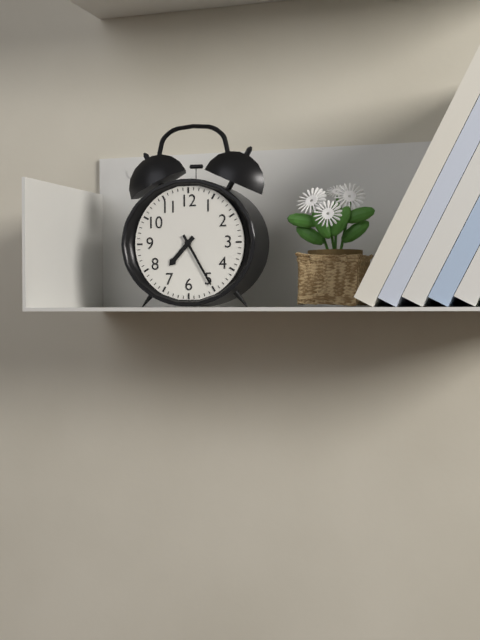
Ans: 7:25
